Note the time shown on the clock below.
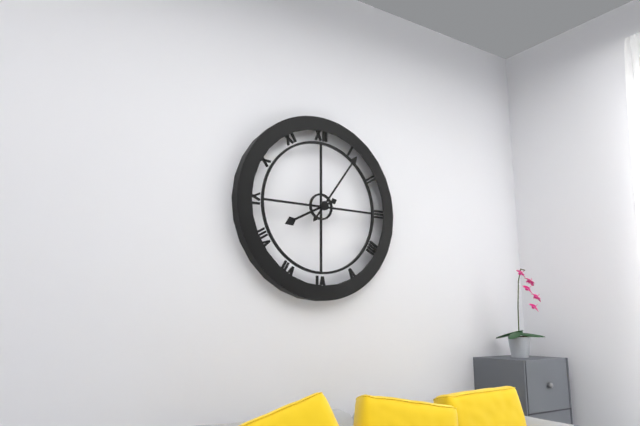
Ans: 8:06
